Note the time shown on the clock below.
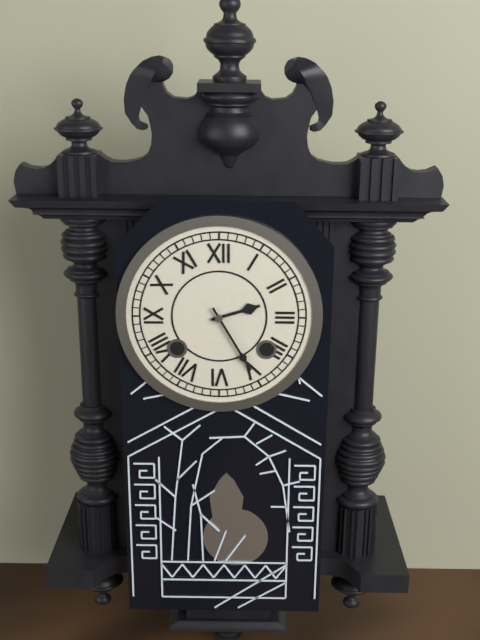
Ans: 2:25
